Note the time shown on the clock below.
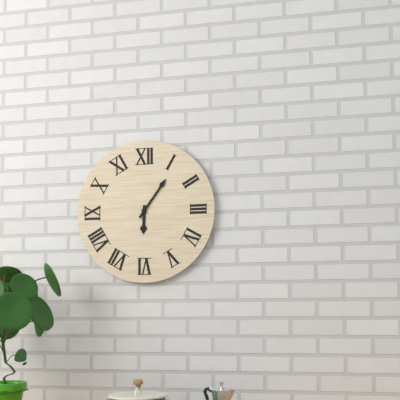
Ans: 6:06
